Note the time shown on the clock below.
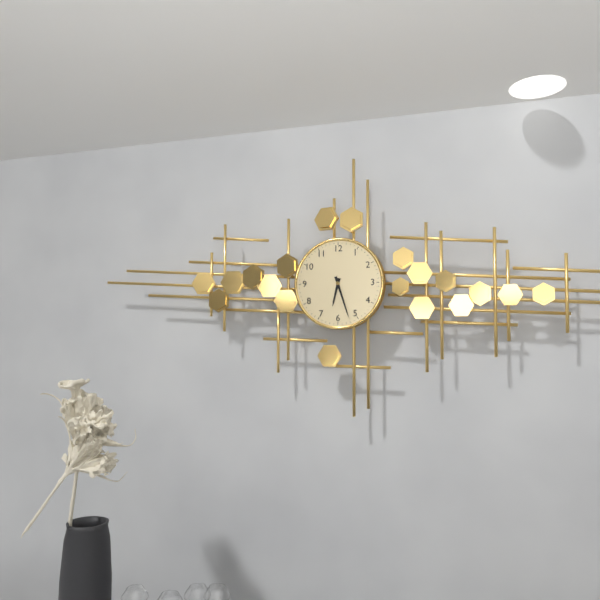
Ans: 6:27
